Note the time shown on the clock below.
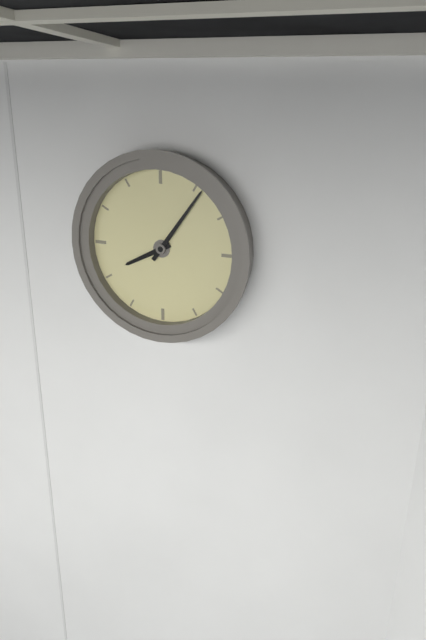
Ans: 8:06
